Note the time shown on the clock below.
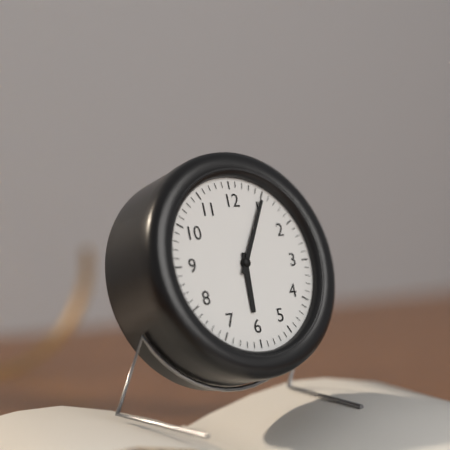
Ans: 6:05
